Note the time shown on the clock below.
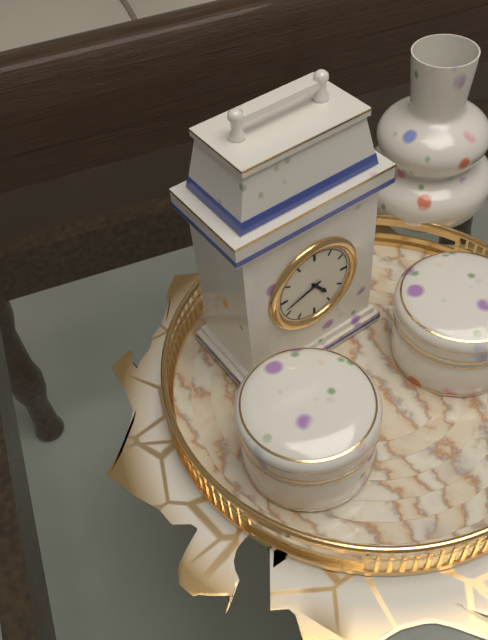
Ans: 4:42
